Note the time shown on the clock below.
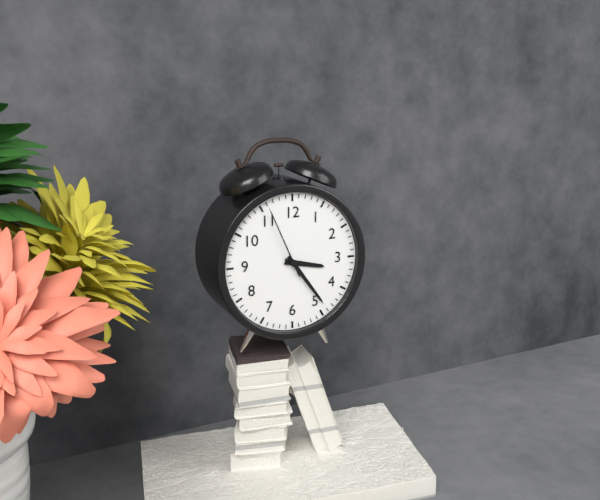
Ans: 3:24:56
